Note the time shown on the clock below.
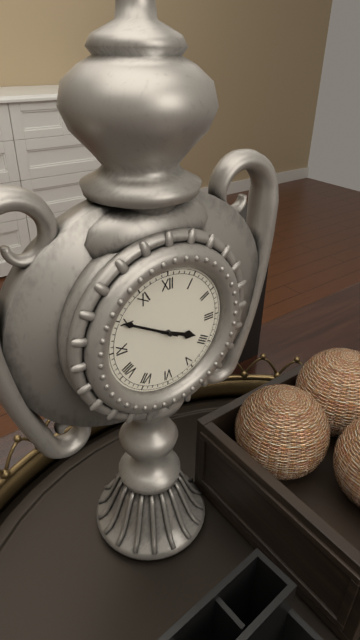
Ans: 3:50
